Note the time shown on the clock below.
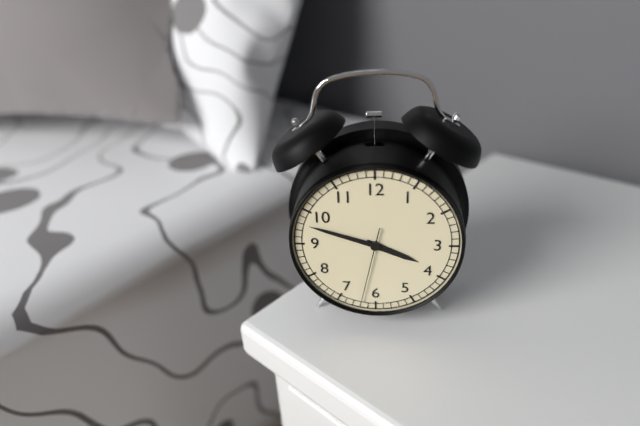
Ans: 3:48:32
